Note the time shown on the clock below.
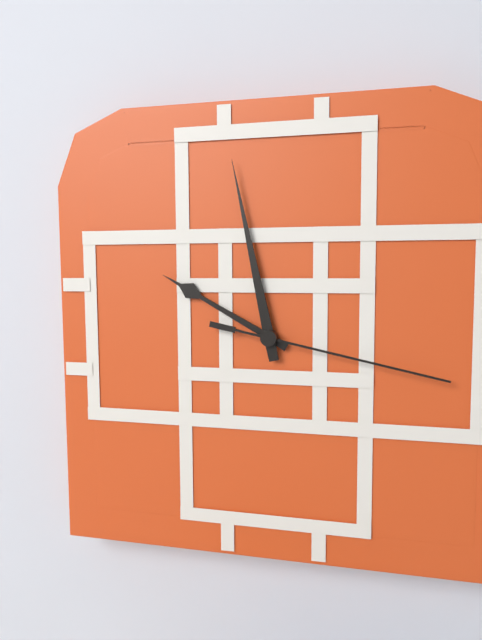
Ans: 9:58:17
